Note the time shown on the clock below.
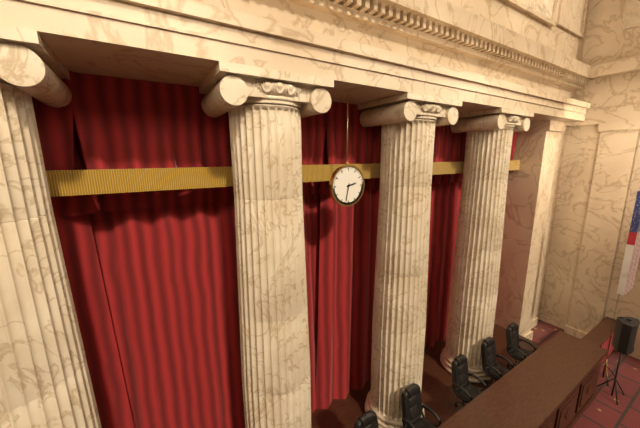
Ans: 2:32
